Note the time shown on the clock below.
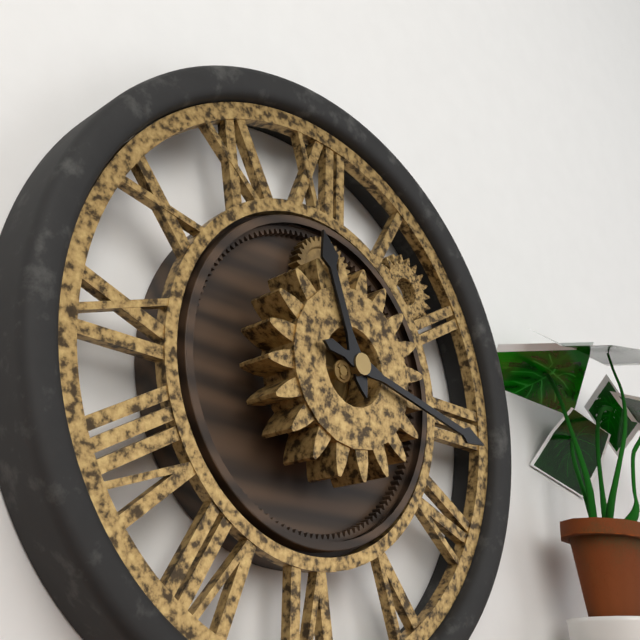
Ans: 11:17
